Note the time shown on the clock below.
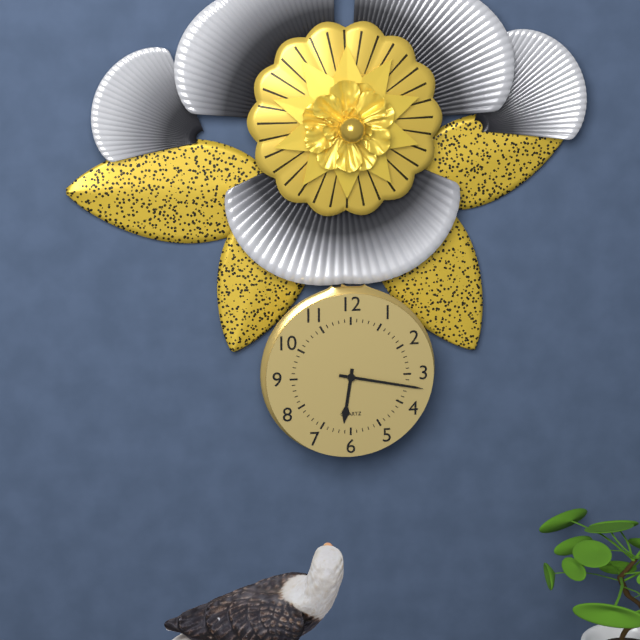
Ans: 6:17
